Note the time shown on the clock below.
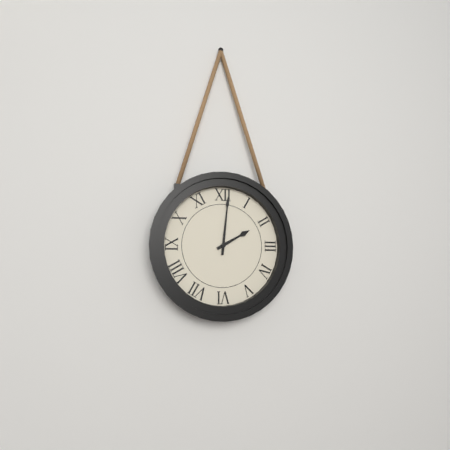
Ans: 2:01
